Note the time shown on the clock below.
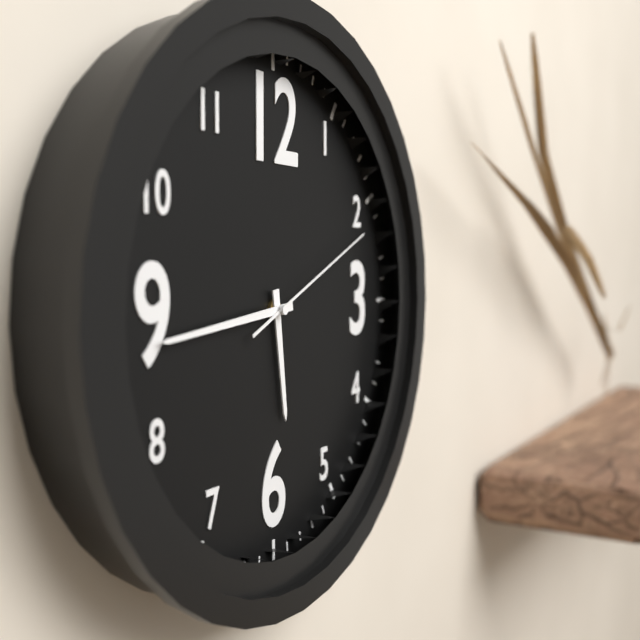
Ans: 5:44:11
